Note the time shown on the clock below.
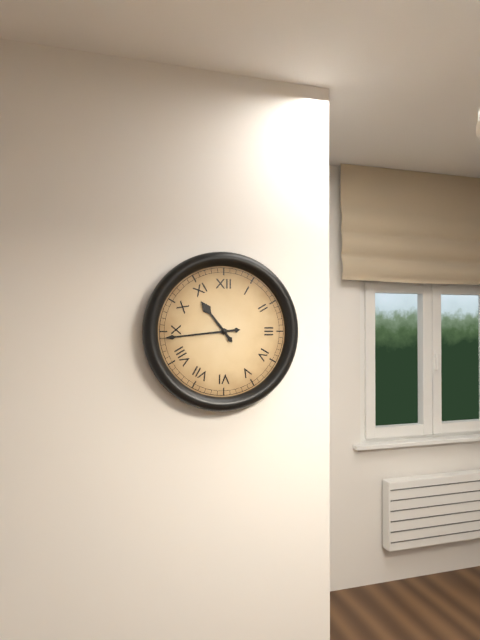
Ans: 10:44
